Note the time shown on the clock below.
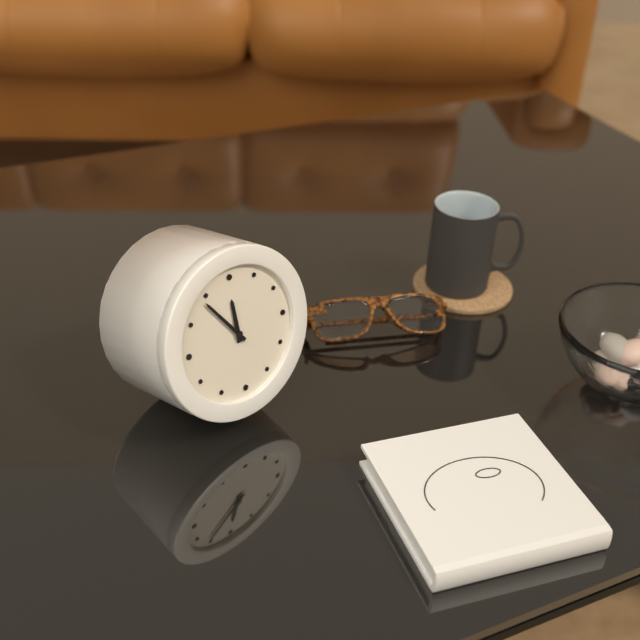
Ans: 11:54
